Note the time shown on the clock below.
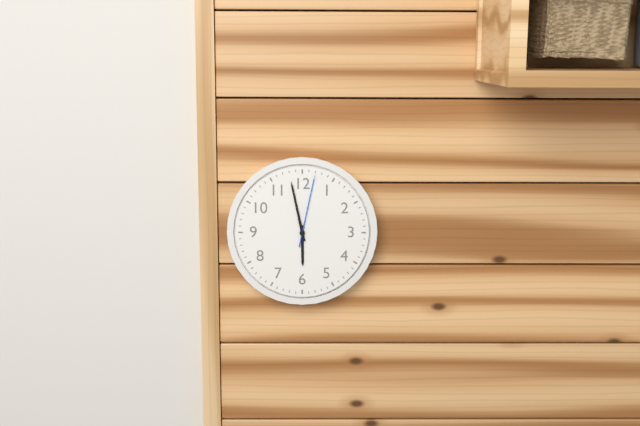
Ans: 5:58:02
